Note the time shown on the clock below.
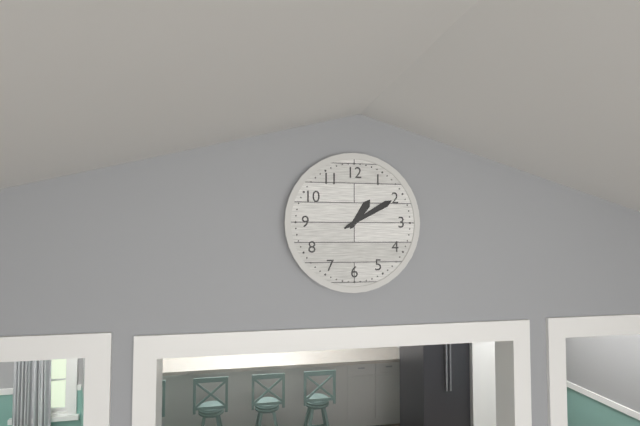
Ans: 1:10
